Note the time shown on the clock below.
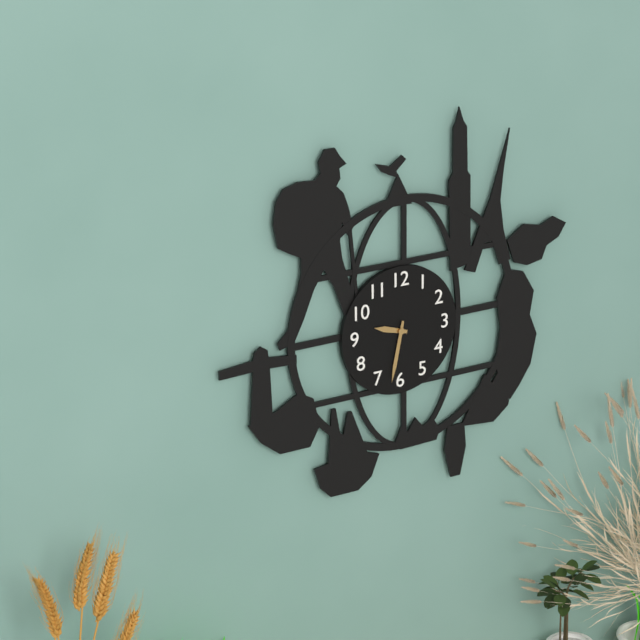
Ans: 9:32
